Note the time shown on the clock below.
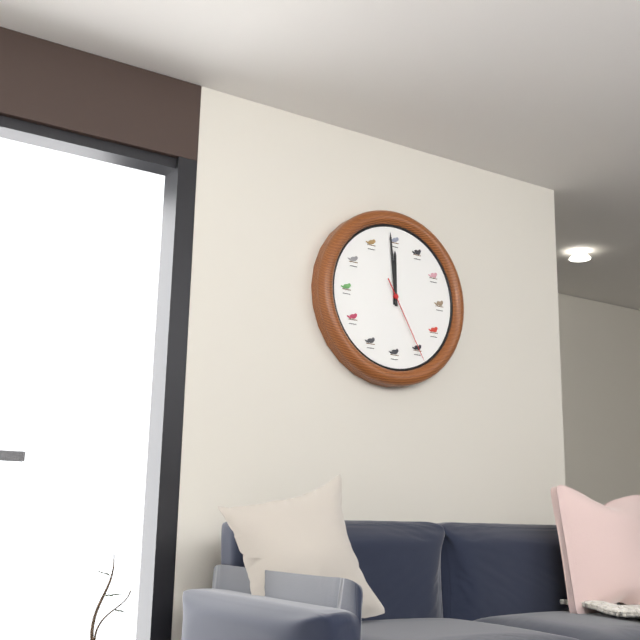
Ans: 11:59:25
